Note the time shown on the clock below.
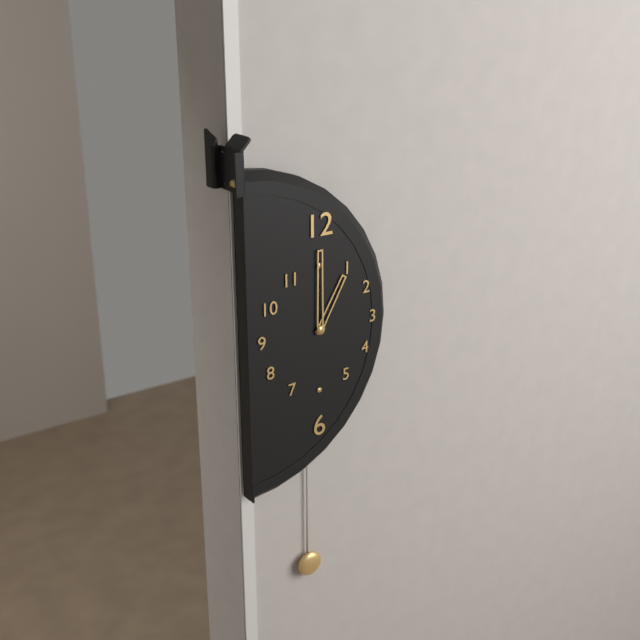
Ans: 1:00
